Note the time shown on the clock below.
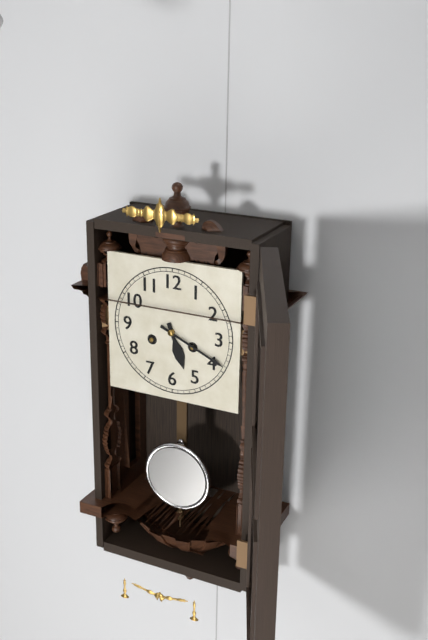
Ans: 5:19
